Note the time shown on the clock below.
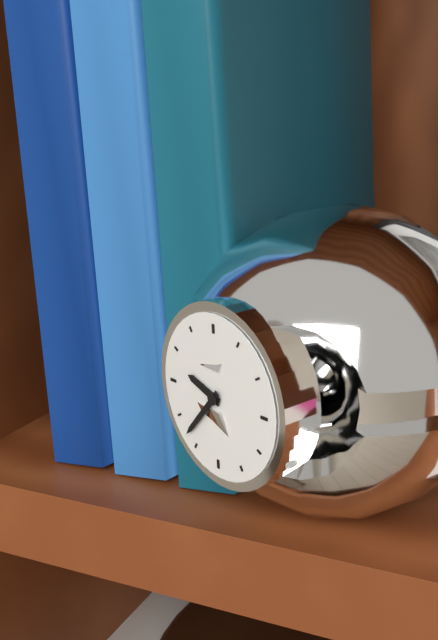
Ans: 9:37
